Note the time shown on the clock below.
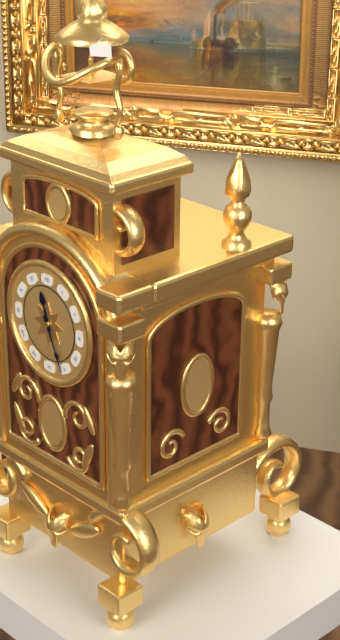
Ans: 11:26
